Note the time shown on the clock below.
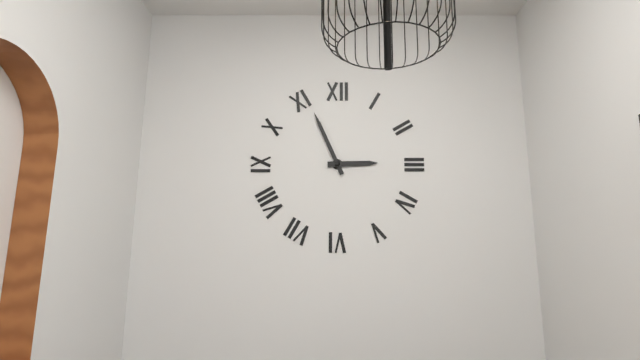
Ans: 2:56
